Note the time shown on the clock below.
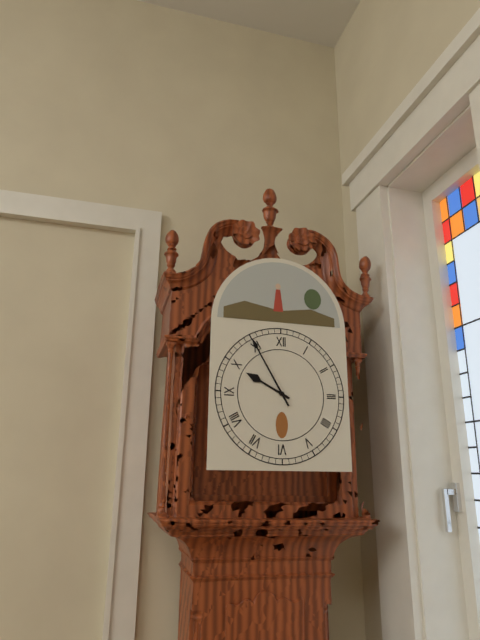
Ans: 9:55
